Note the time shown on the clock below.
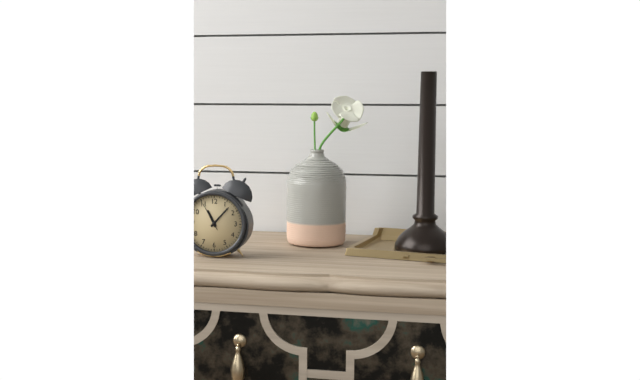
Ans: 11:07
